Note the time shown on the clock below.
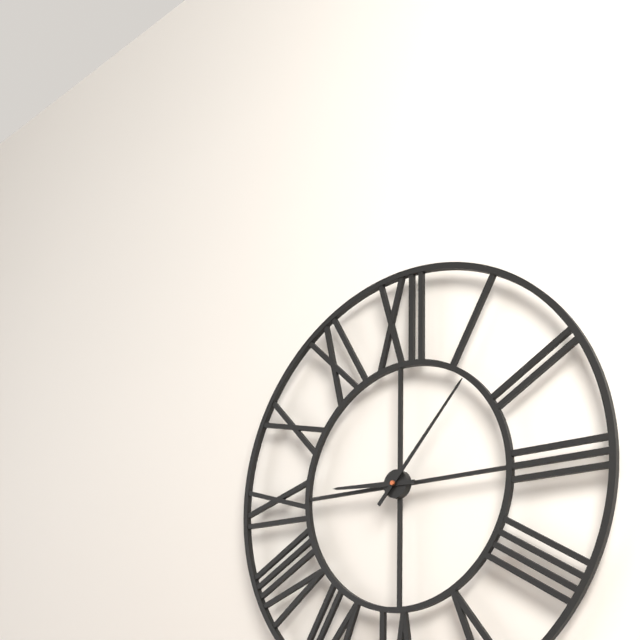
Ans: 9:07
